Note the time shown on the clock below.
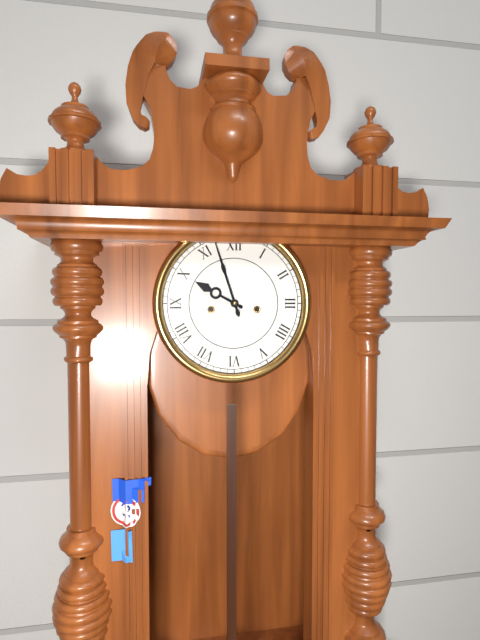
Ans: 9:57
